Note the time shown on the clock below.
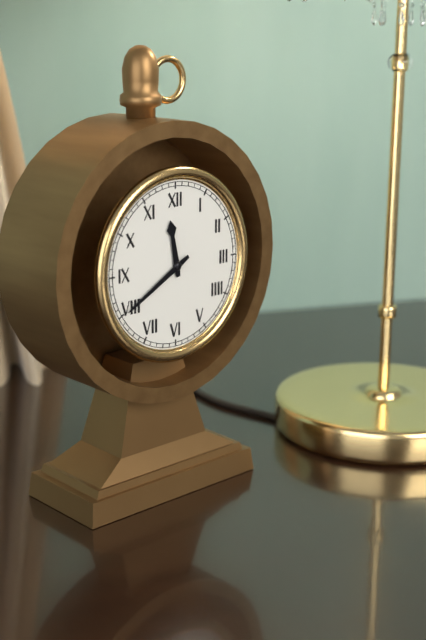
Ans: 11:40
